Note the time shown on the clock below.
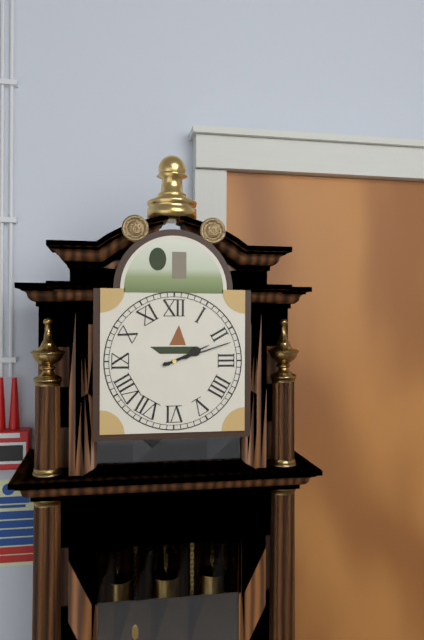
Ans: 2:12
